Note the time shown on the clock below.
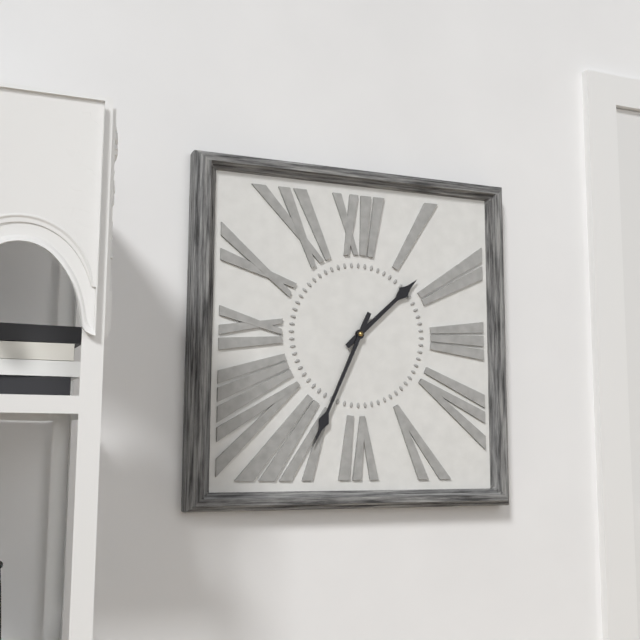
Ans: 1:34
